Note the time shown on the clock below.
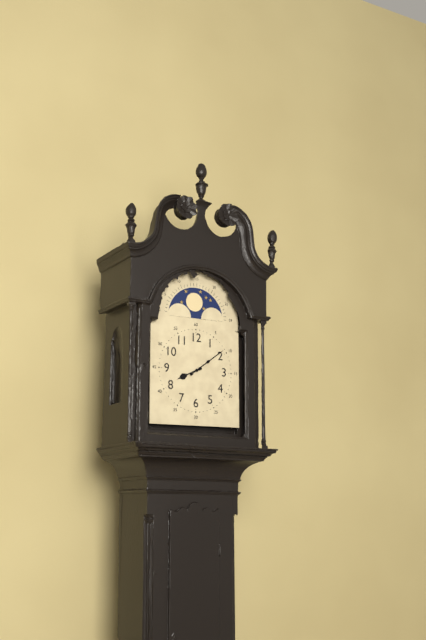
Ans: 8:09
